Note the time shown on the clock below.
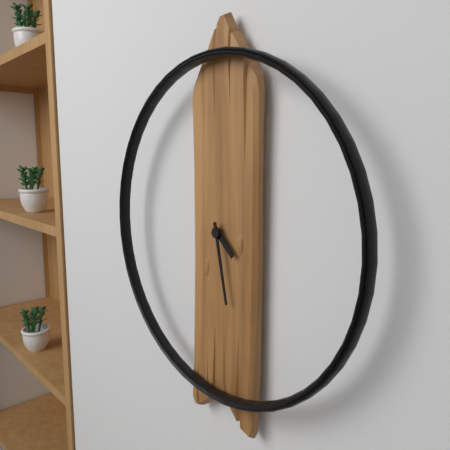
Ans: 4:28
